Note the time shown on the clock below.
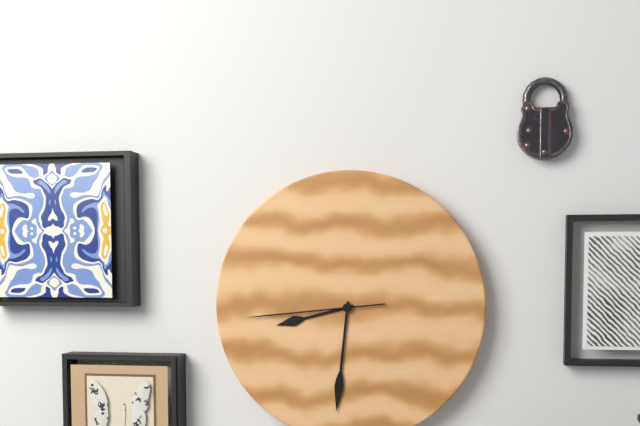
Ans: 8:31:44
